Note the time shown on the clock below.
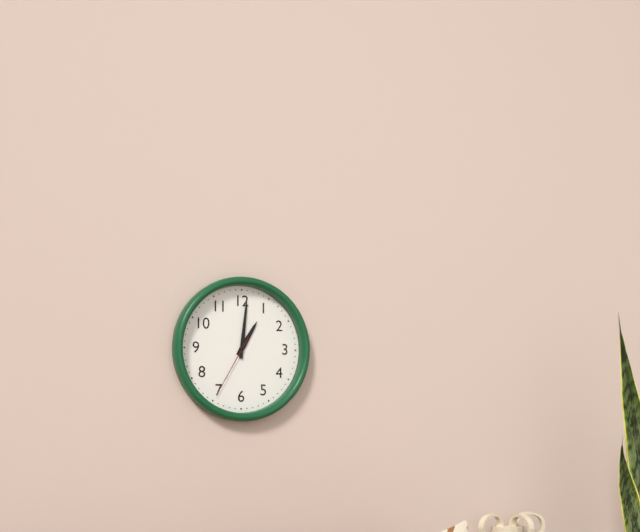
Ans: 1:01:35
